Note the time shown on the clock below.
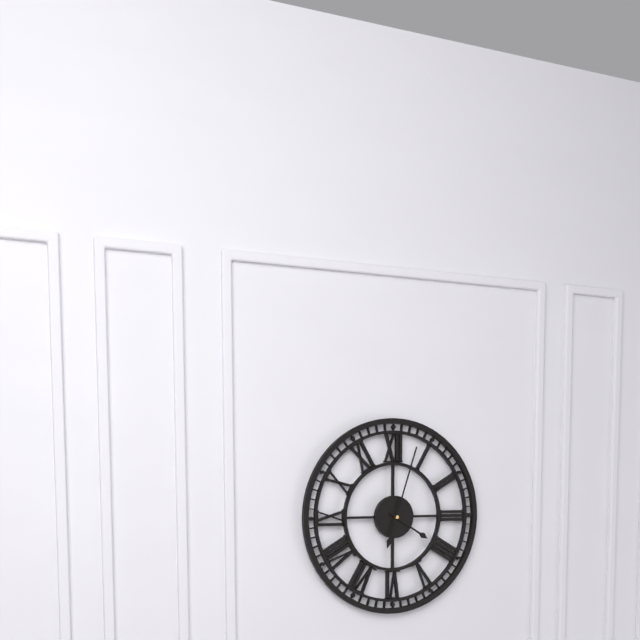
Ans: 4:03
